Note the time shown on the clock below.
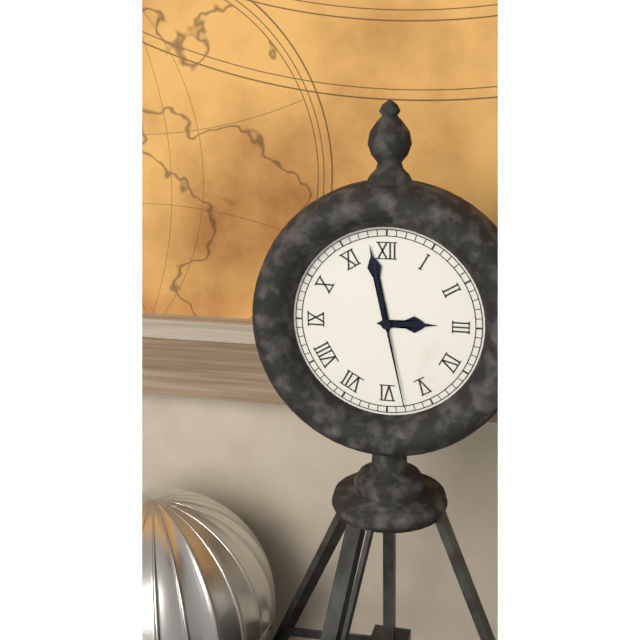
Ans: 2:58:28
